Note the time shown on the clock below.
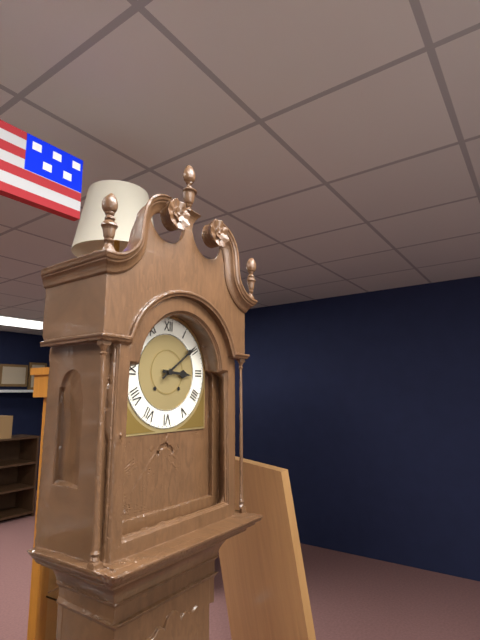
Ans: 3:09
